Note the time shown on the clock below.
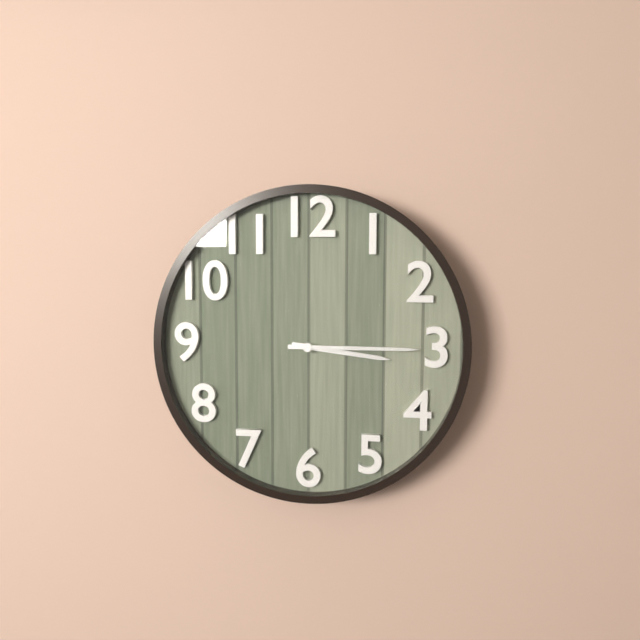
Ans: 3:15
